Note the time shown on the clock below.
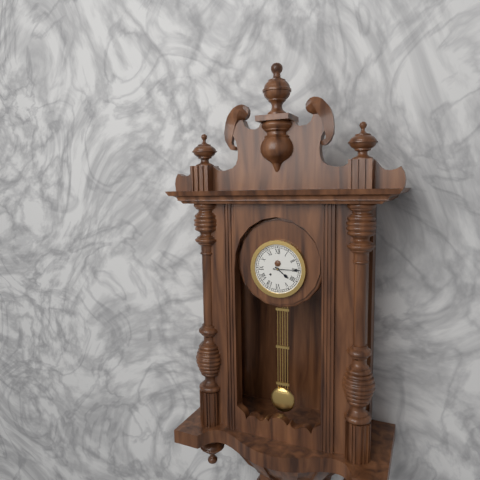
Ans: 4:15
